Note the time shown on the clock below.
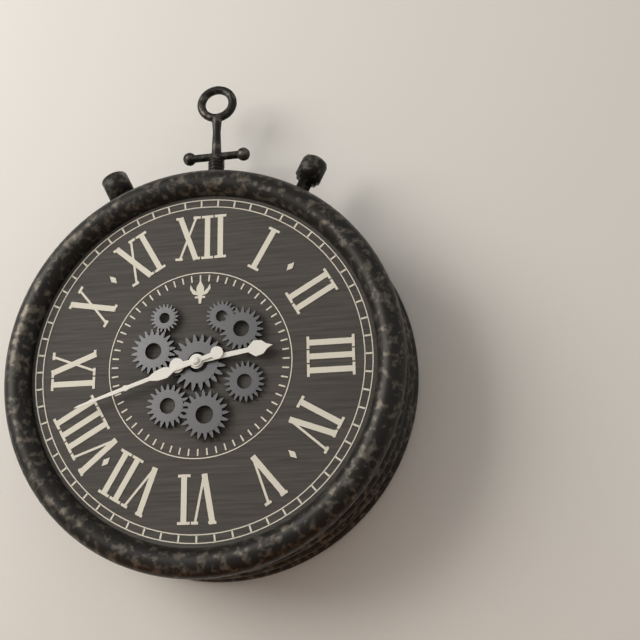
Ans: 2:42
